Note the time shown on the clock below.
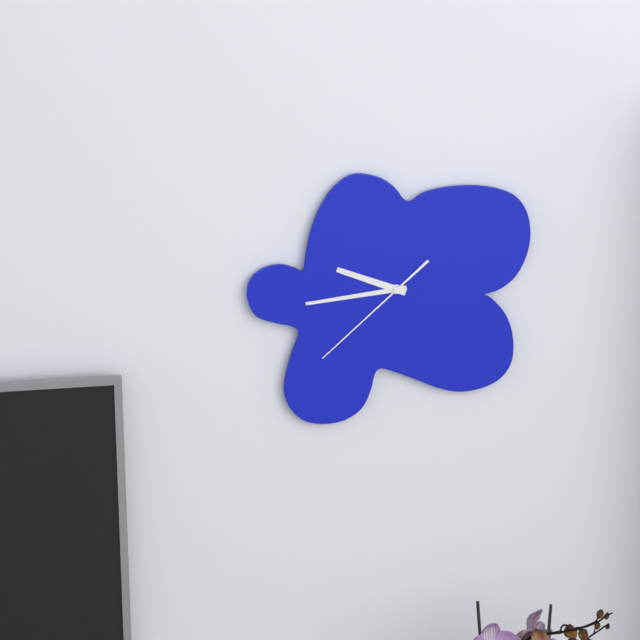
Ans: 9:44:38
